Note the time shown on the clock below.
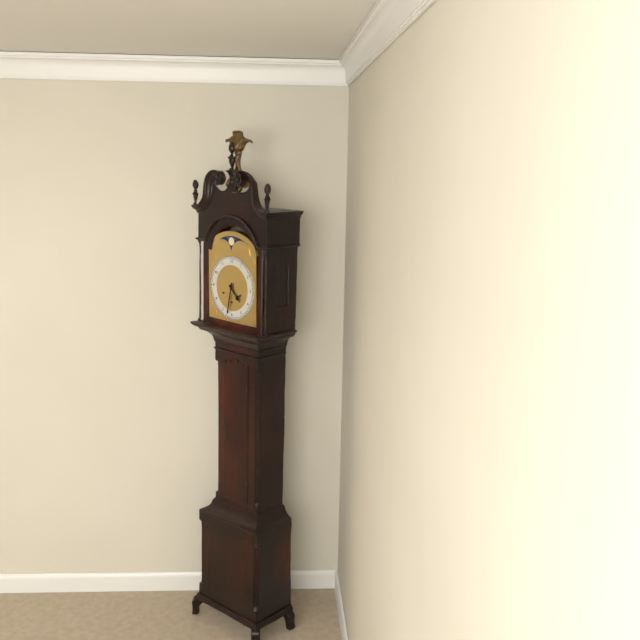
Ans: 4:32
